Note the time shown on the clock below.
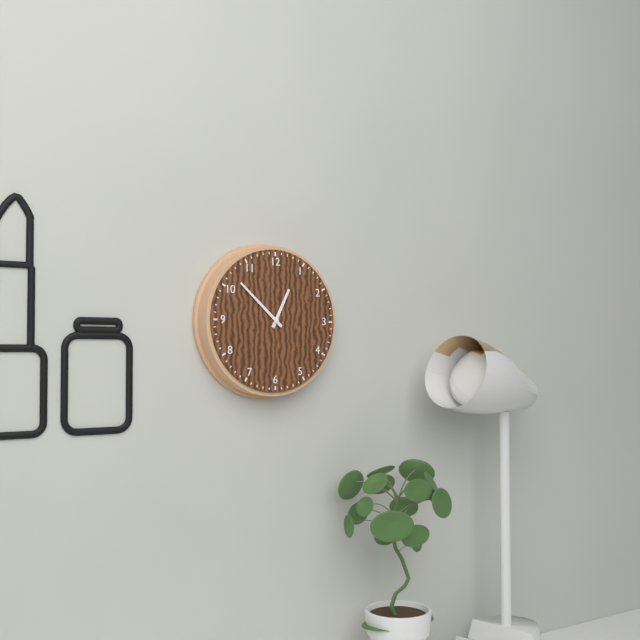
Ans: 12:52
